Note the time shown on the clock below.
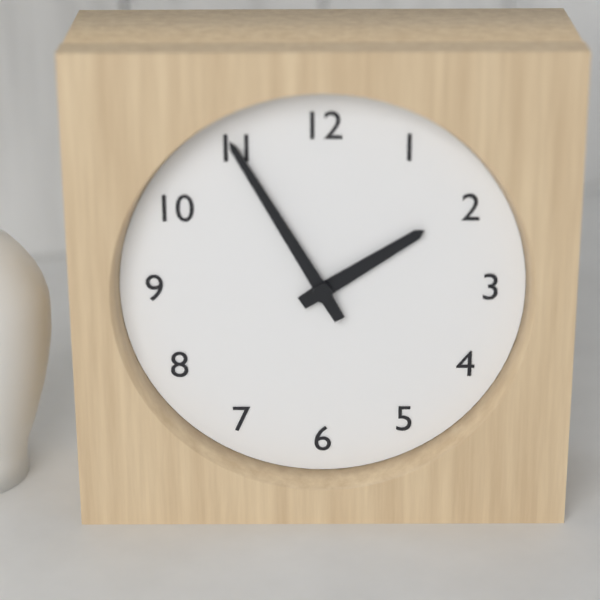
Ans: 1:55
